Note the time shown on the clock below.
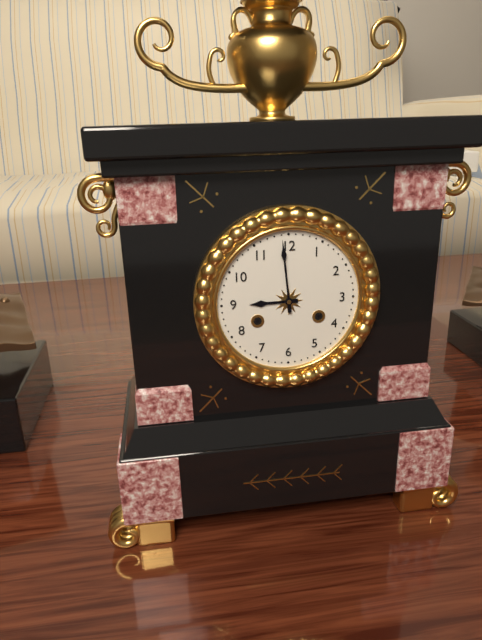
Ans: 8:59
